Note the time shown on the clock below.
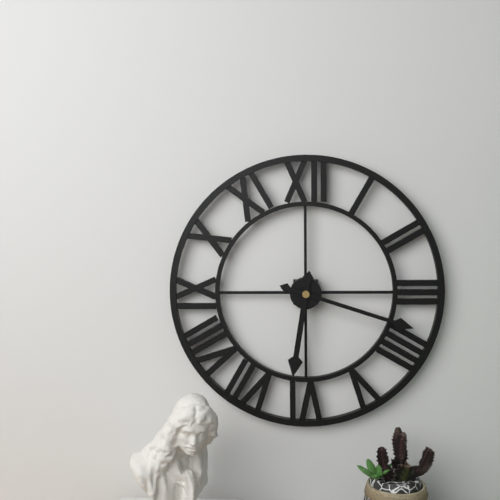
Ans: 6:18
